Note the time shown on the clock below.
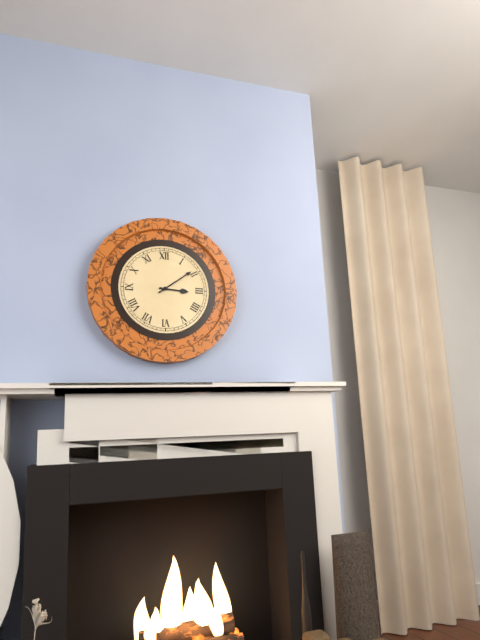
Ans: 3:09
